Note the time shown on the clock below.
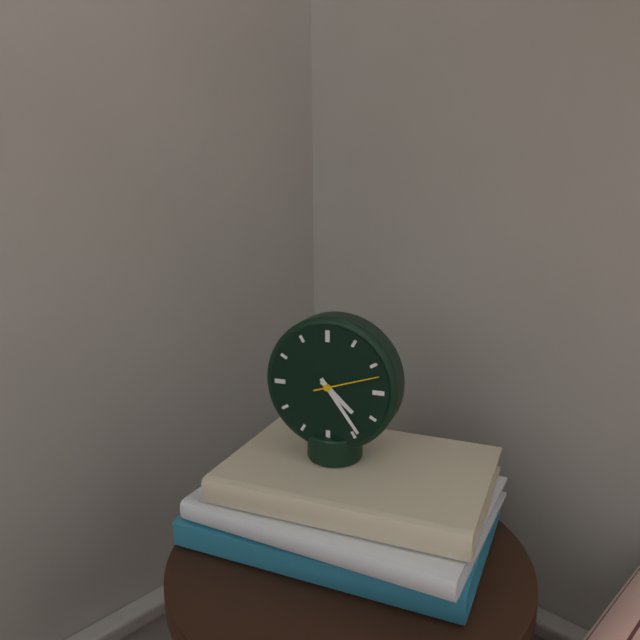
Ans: 4:24:12
